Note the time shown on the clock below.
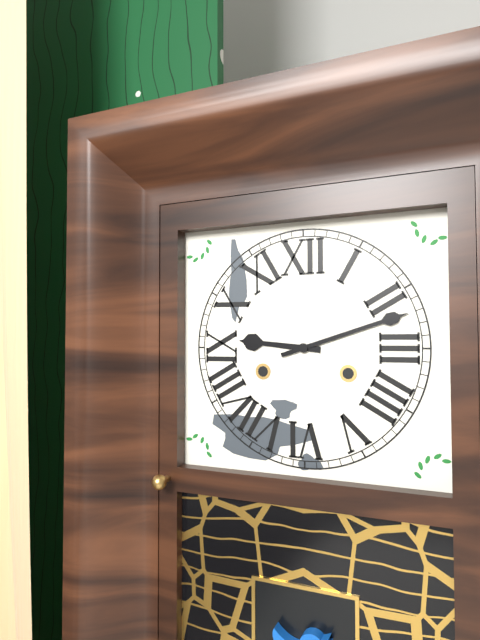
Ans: 9:12
